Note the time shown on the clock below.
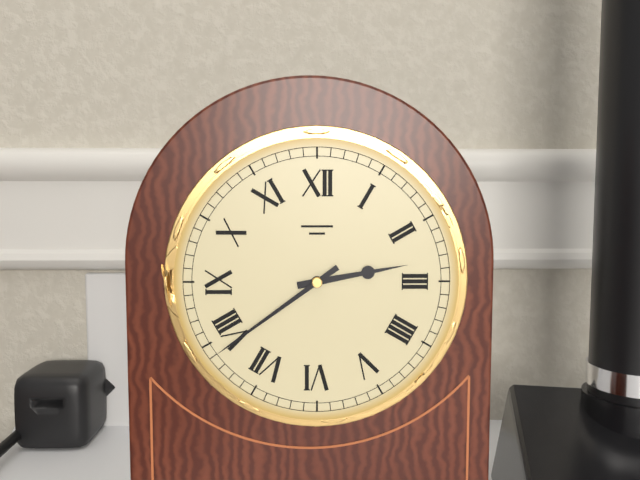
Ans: 2:39
